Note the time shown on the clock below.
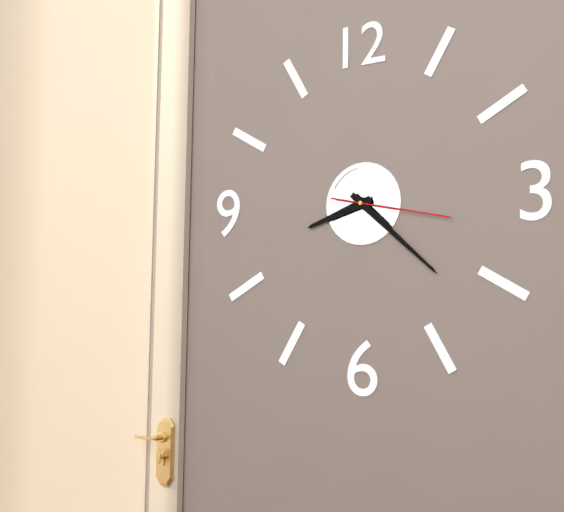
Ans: 8:22:17
